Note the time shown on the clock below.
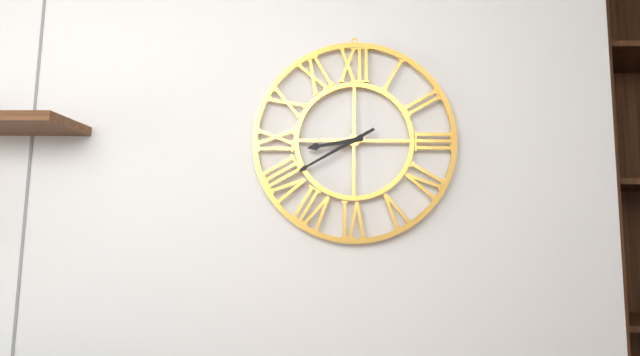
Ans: 8:40
